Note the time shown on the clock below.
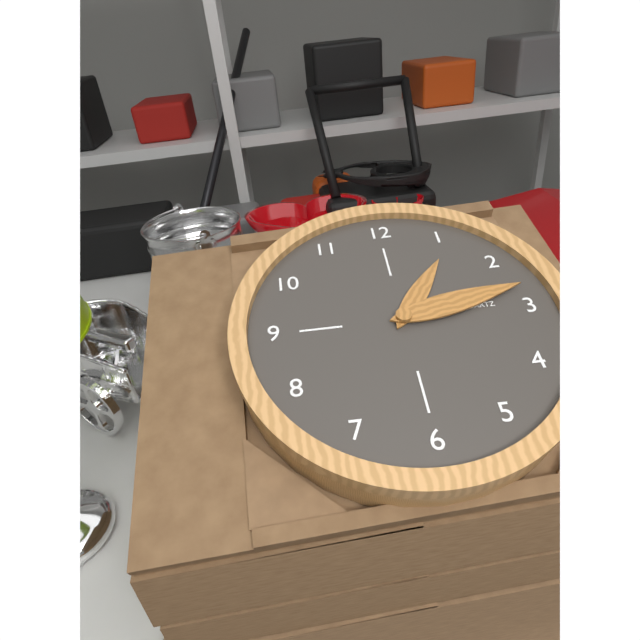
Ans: 1:13
